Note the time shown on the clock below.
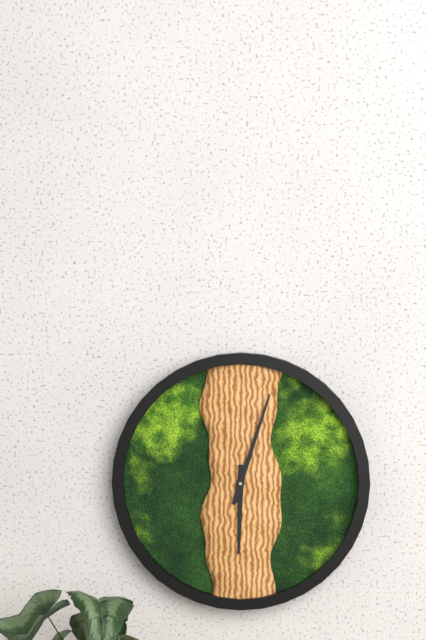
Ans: 6:03
